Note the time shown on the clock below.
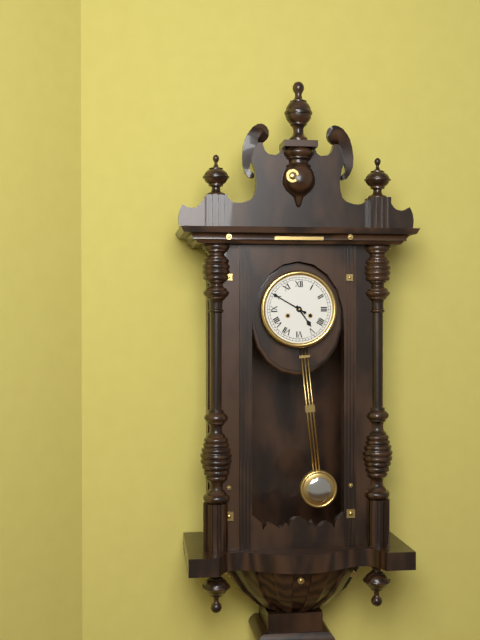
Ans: 4:50
